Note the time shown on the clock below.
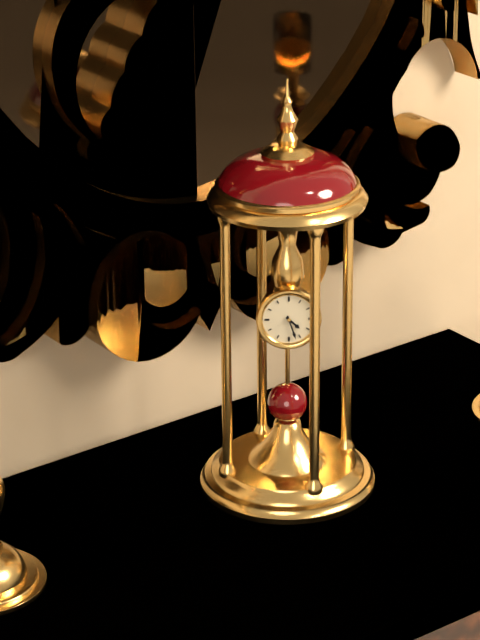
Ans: 4:27
